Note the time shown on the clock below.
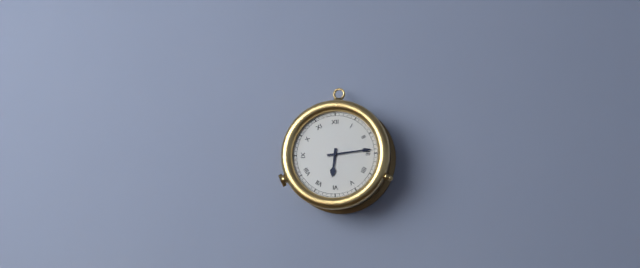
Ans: 6:14
